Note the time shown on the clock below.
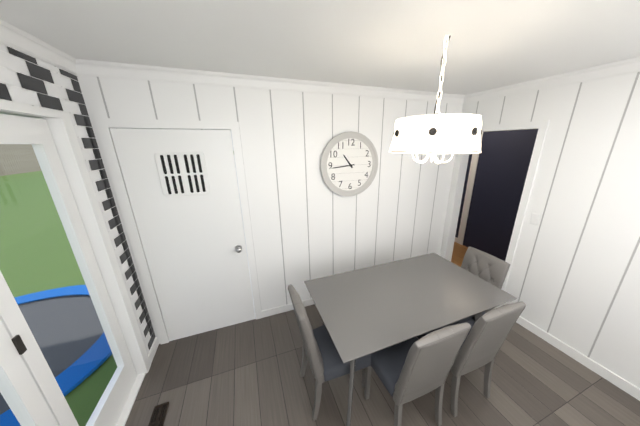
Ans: 10:44
